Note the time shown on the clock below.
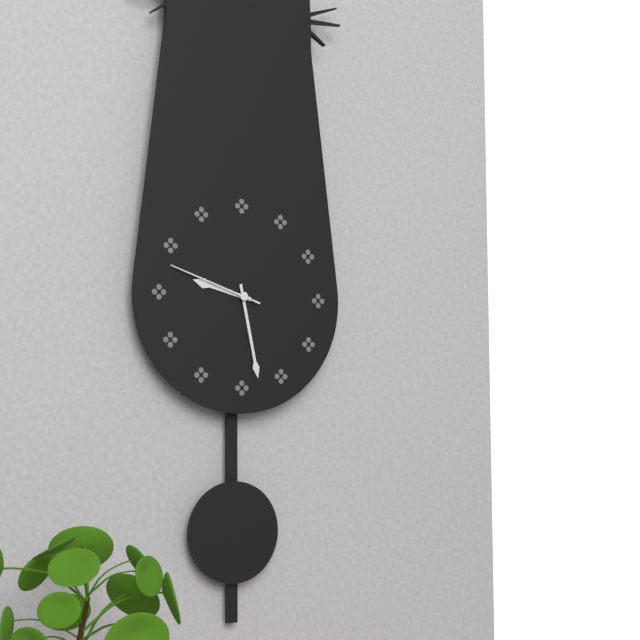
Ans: 9:28:48
